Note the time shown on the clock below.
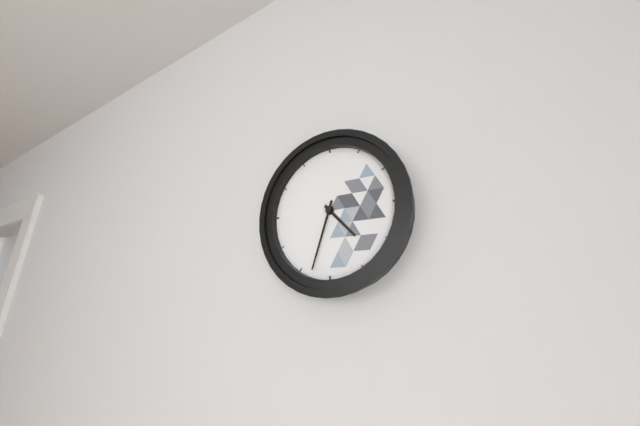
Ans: 4:33
